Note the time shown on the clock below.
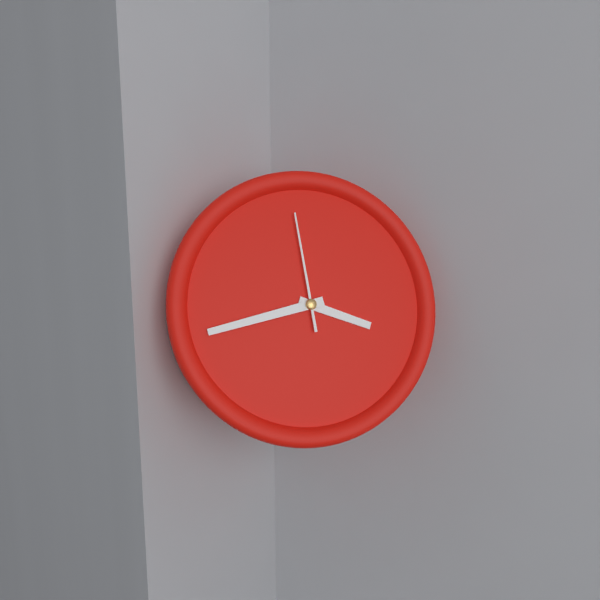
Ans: 3:43:59
